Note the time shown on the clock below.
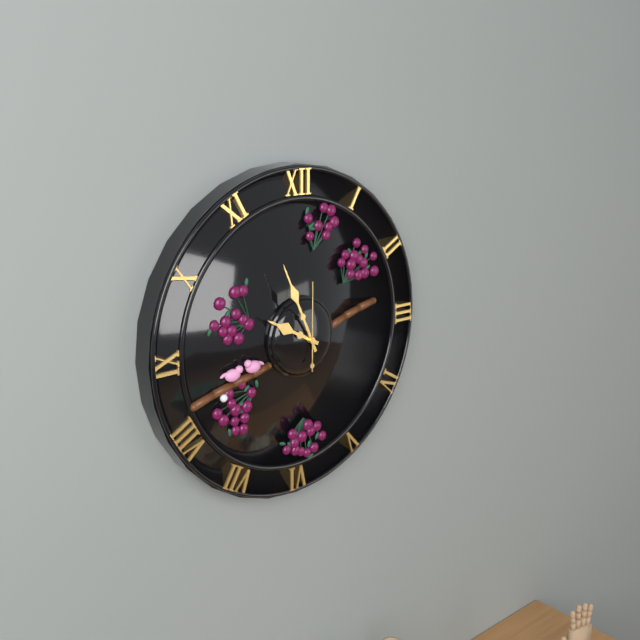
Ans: 9:56:00
